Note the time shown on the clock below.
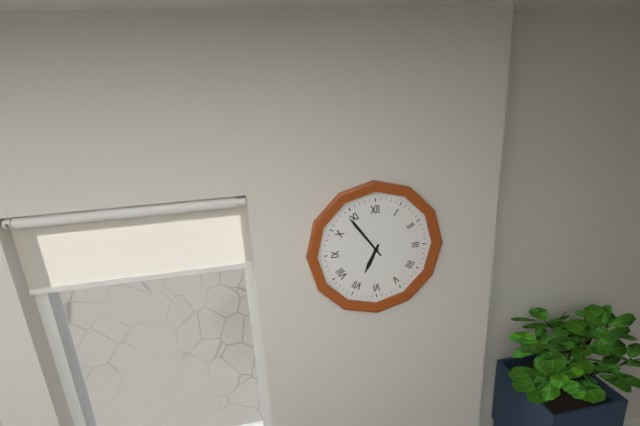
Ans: 6:54
